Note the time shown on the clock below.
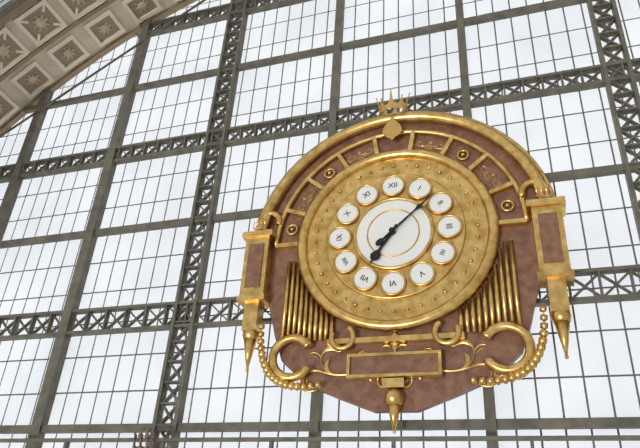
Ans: 7:08
